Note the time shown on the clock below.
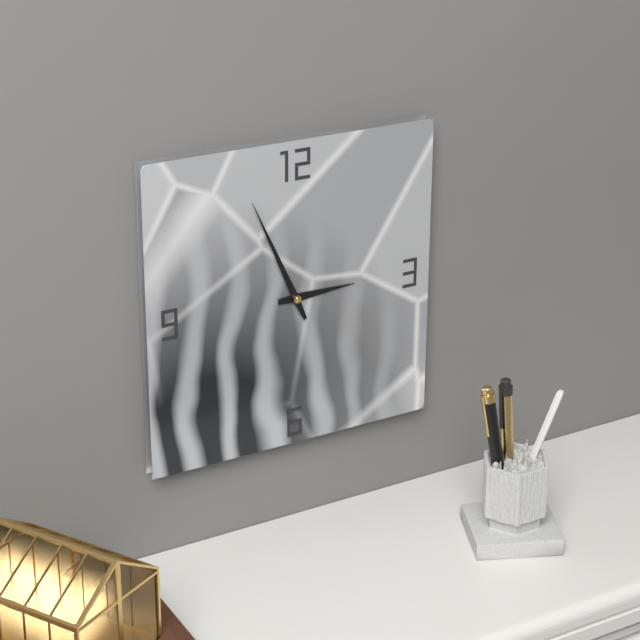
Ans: 2:56
